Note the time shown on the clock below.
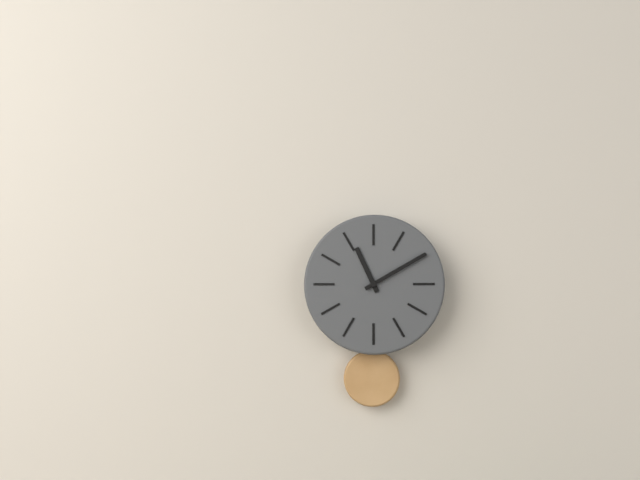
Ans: 11:10
